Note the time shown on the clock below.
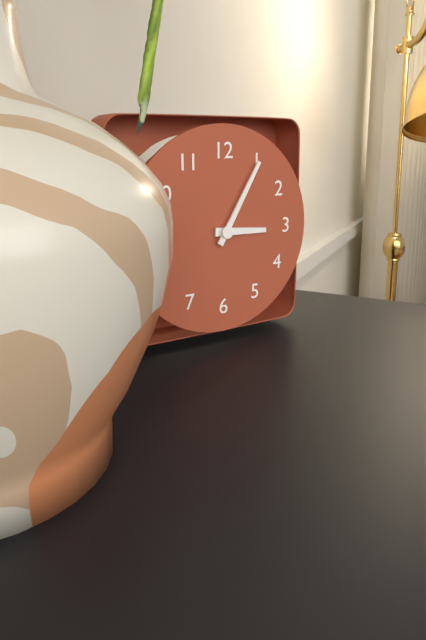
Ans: 3:05
